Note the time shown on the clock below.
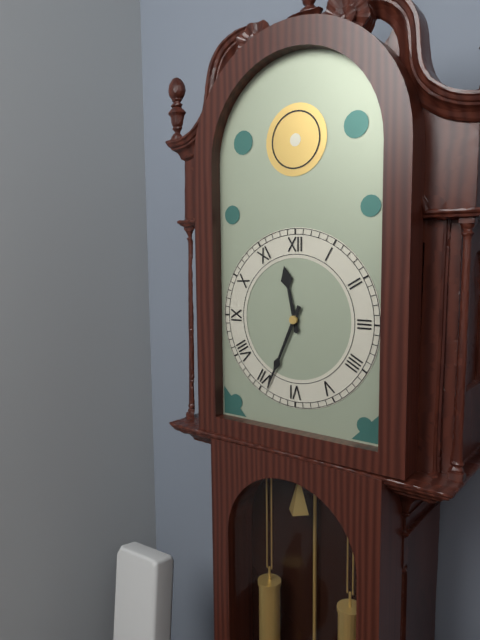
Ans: 11:34
